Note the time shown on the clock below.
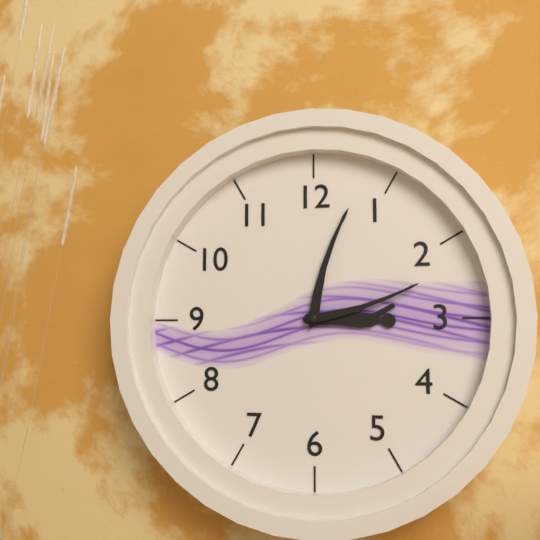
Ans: 3:03:12
